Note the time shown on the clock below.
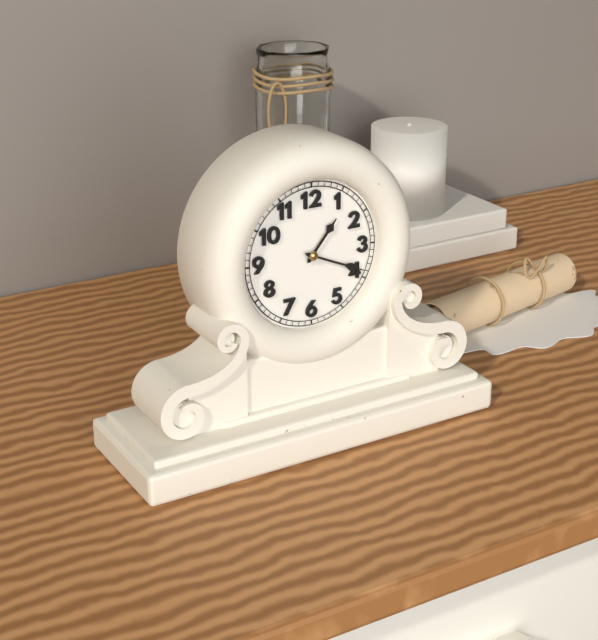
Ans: 1:19
